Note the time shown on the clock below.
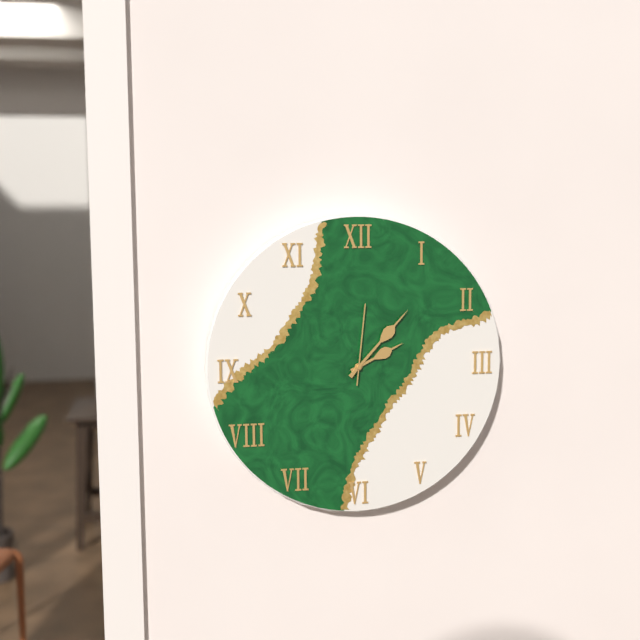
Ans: 2:07:01
